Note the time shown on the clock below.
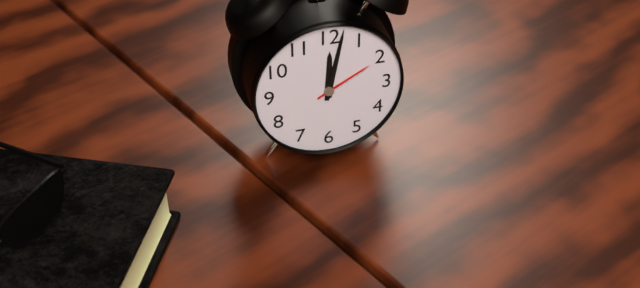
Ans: 12:02:10
